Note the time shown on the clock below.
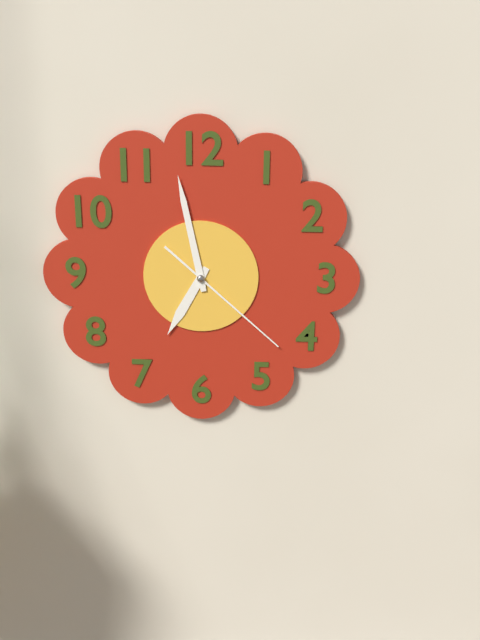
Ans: 6:58:22
